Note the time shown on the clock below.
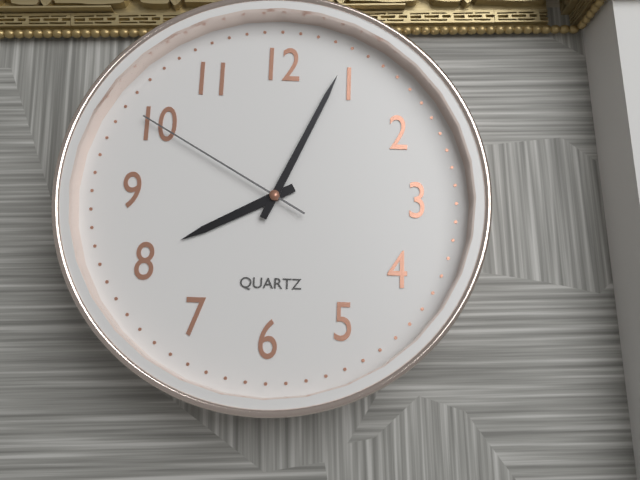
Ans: 8:04:50
